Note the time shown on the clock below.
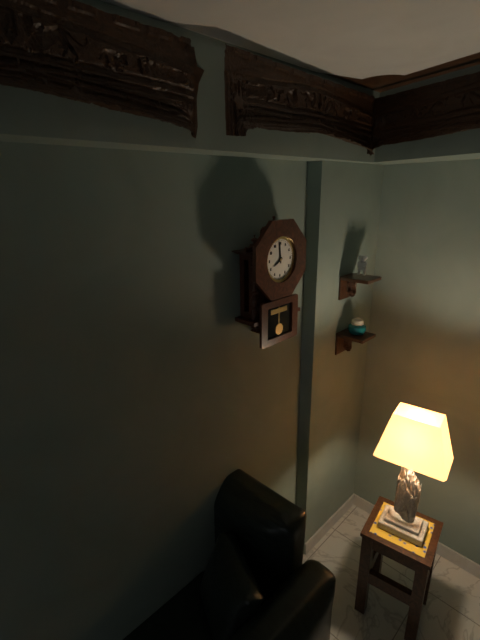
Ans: 7:59
